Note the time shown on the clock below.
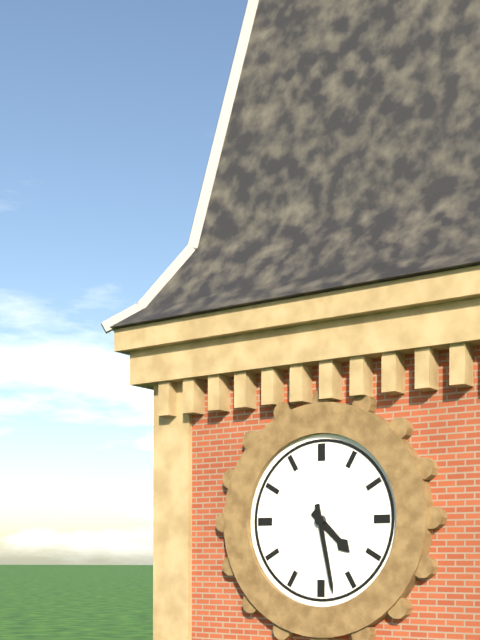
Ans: 4:28
